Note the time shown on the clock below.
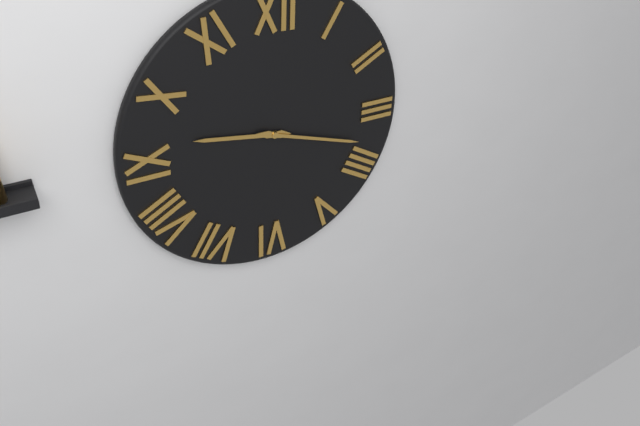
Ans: 9:18
